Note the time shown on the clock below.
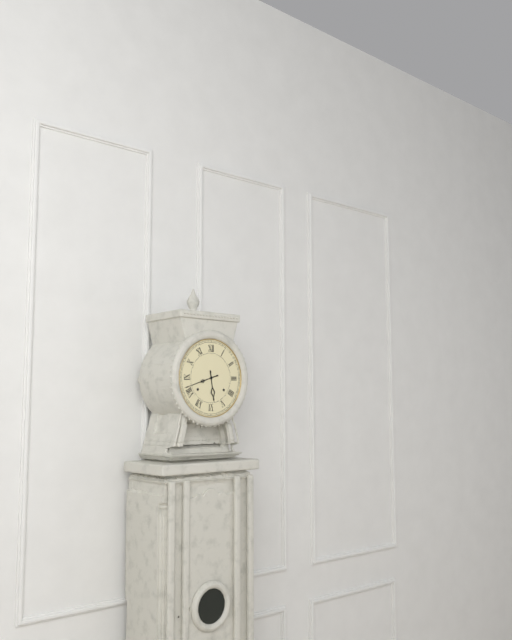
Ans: 5:42
